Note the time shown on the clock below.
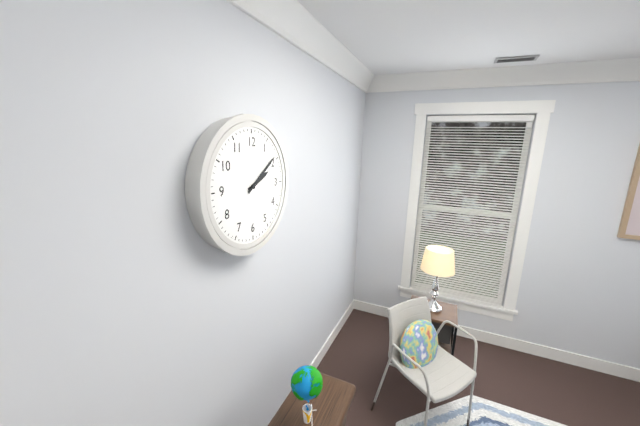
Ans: 2:09
